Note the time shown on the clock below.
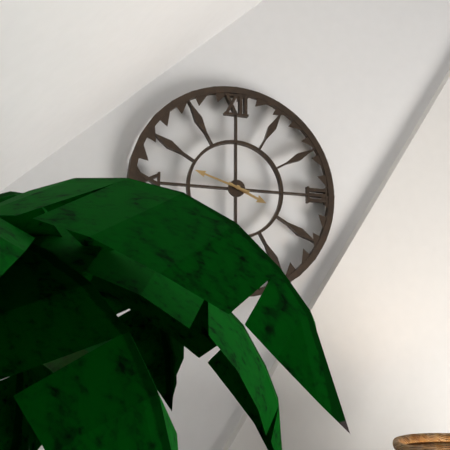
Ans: 3:48
